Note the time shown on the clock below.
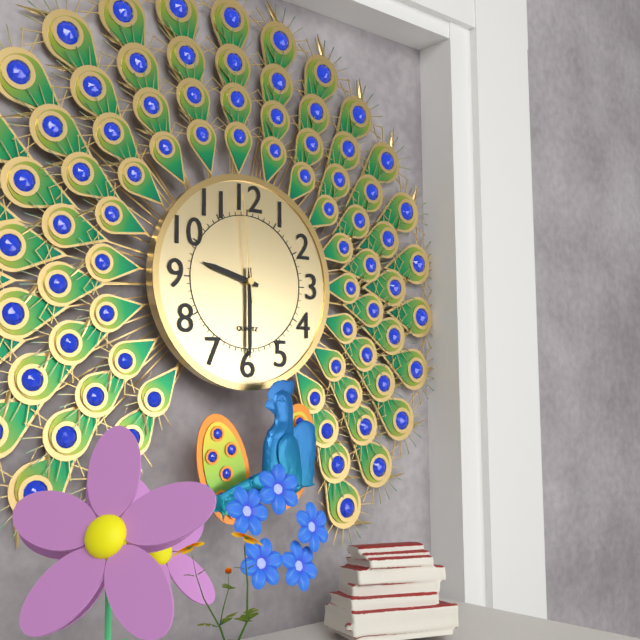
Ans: 9:30:59
